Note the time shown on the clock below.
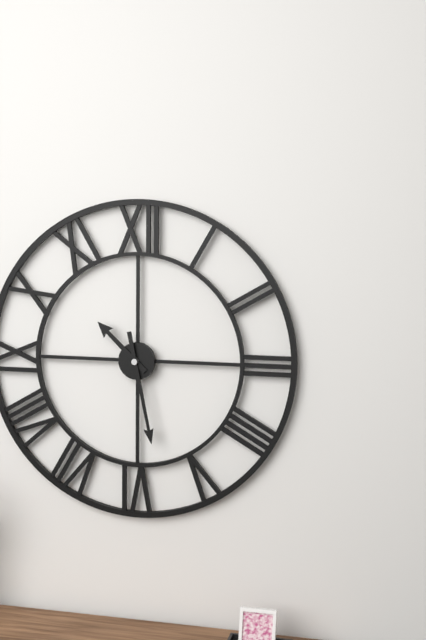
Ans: 10:28
